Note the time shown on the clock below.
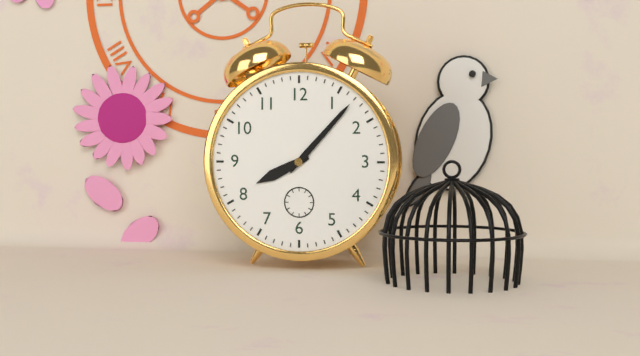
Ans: 8:07
